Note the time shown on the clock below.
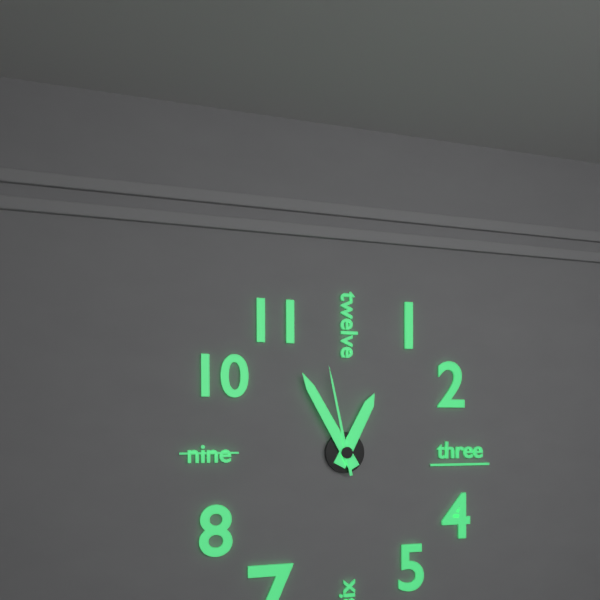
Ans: 12:55:58
